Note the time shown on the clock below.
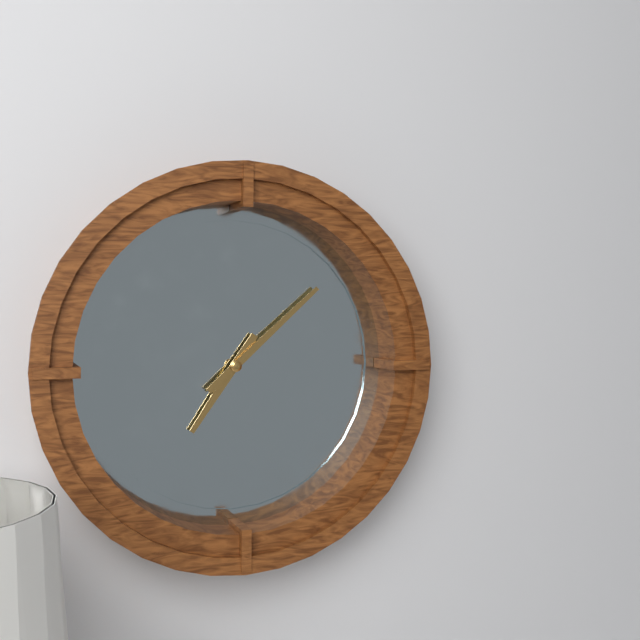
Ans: 7:08
